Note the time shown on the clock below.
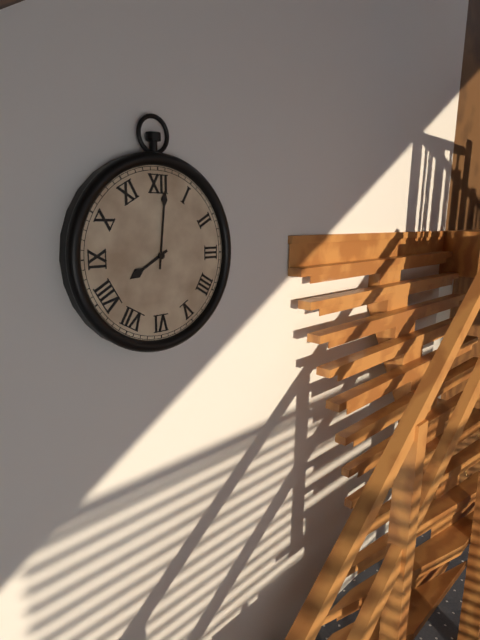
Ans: 8:01
